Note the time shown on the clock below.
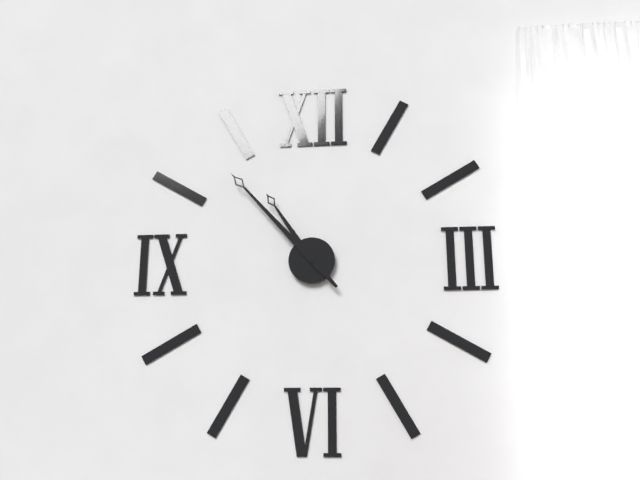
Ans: 10:53
